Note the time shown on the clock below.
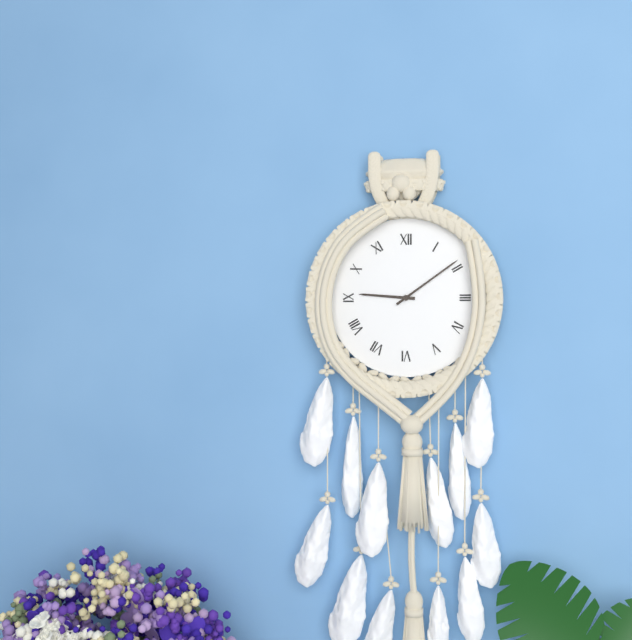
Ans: 9:09
